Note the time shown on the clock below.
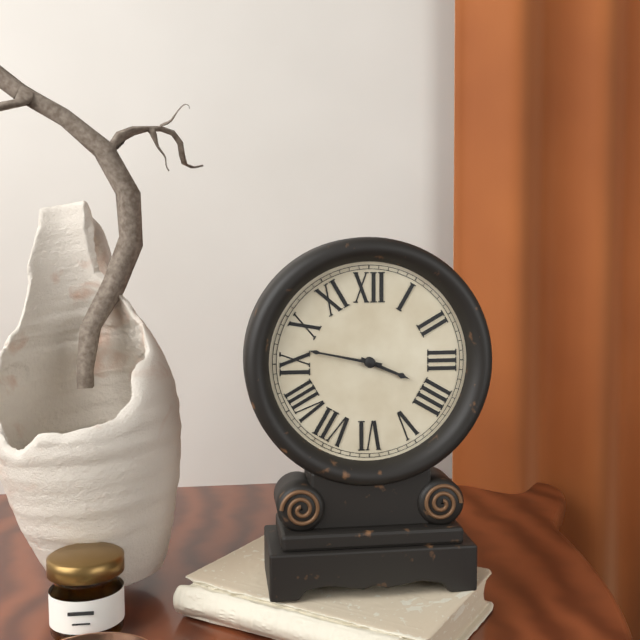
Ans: 3:47
